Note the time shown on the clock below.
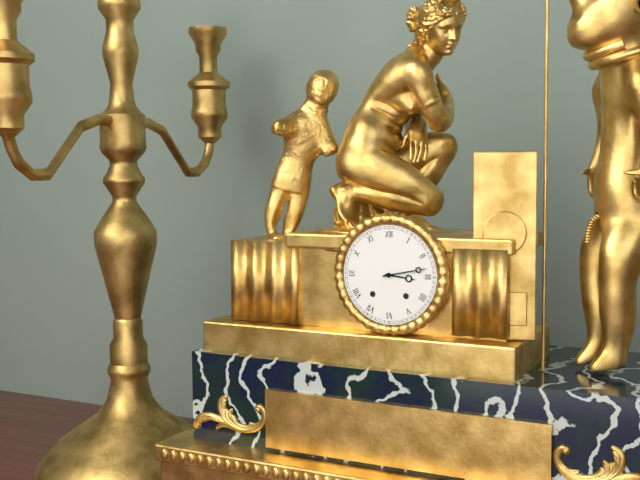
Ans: 3:13
